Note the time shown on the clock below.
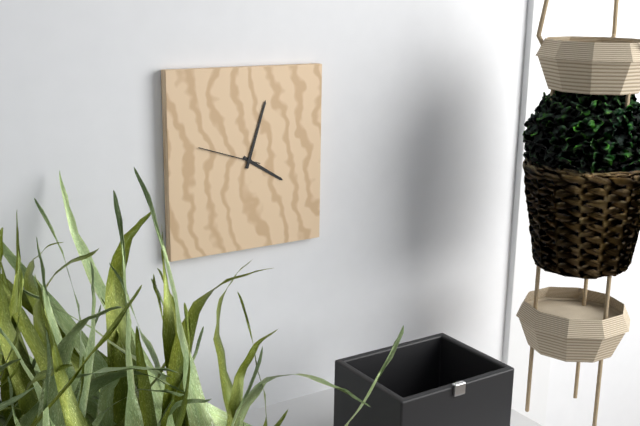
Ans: 4:03:48
